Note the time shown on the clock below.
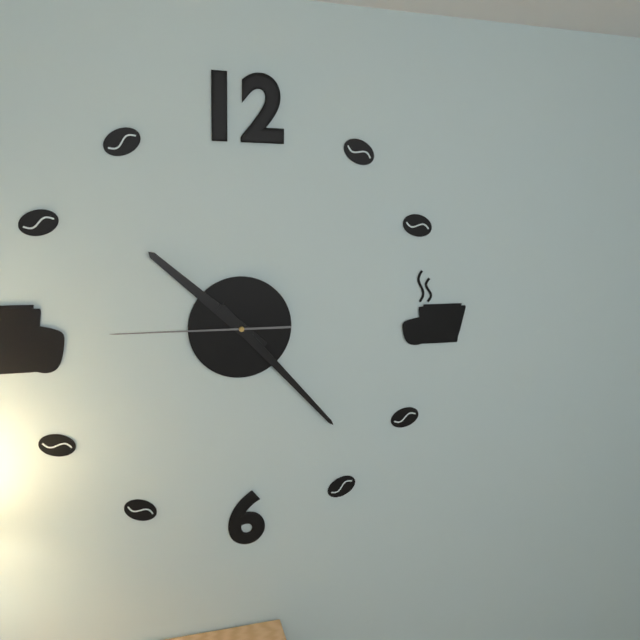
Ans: 10:23:45
